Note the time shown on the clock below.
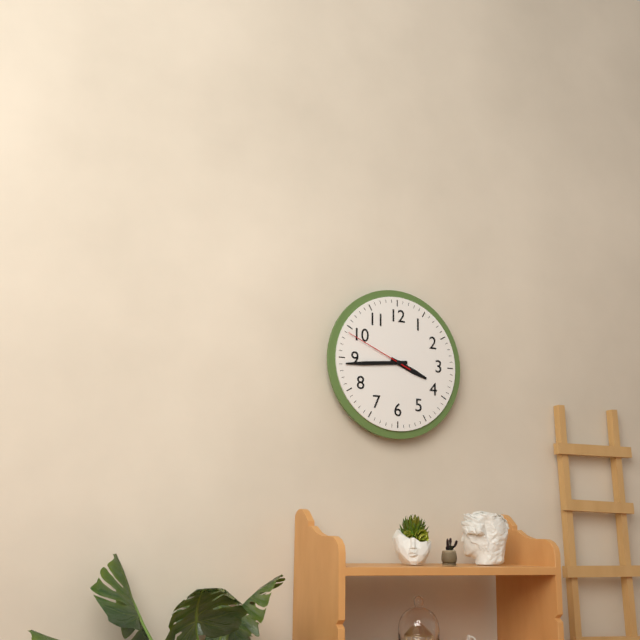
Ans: 3:44:49
